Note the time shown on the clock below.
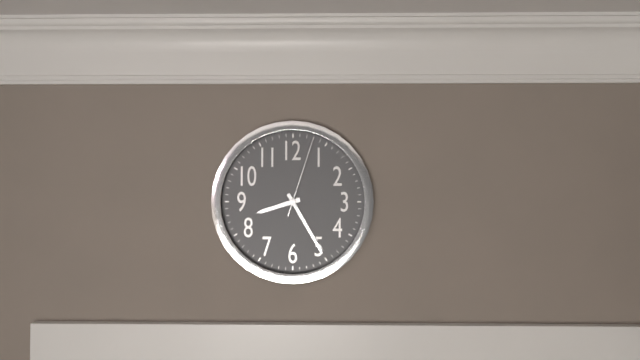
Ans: 8:25:03
